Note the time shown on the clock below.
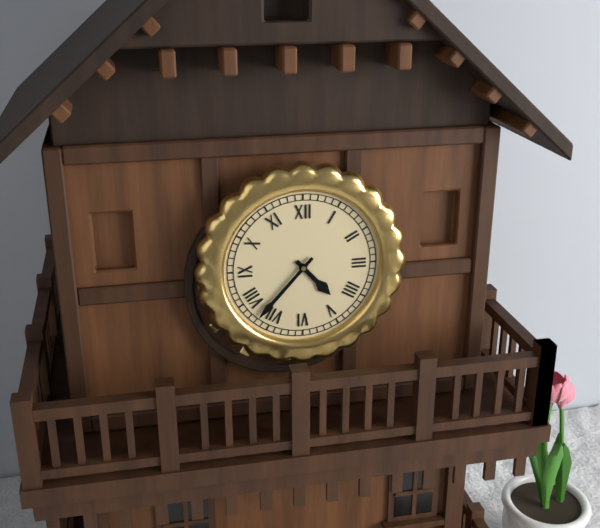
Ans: 4:37
